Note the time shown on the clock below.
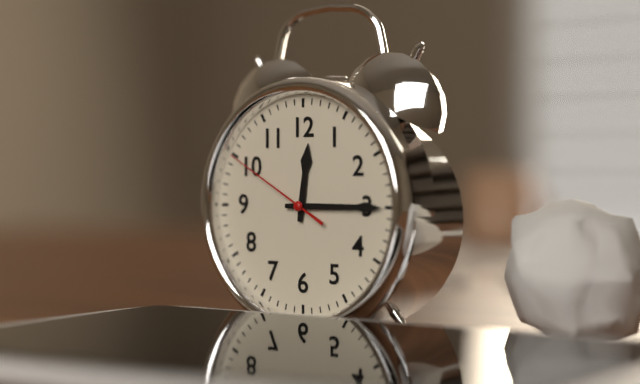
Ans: 12:15:50
